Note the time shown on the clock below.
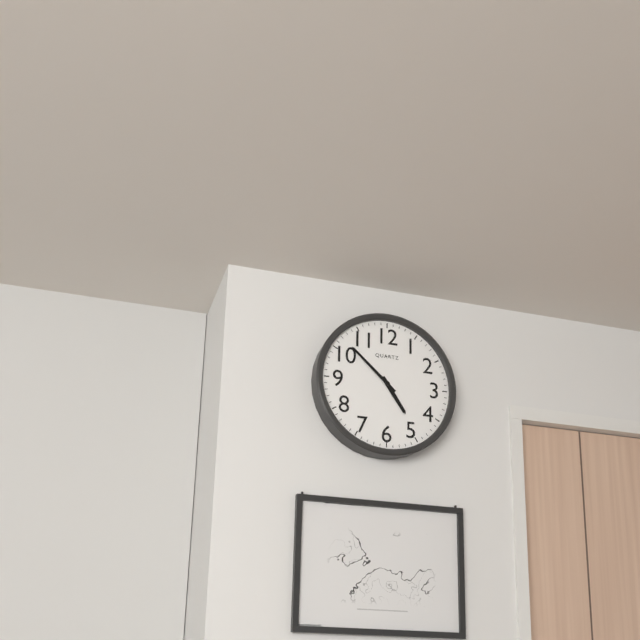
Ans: 4:52
